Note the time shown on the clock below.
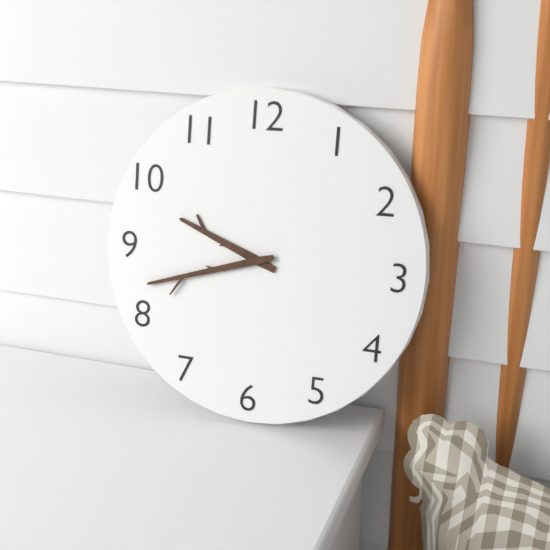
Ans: 9:42
